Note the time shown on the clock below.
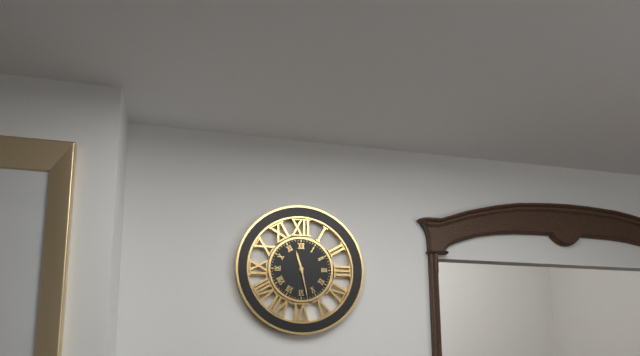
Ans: 11:28
